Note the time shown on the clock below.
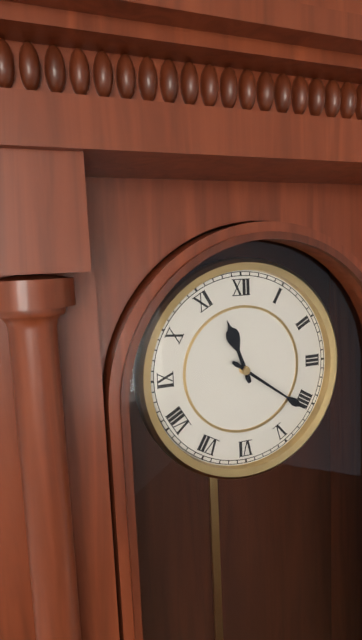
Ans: 11:21
